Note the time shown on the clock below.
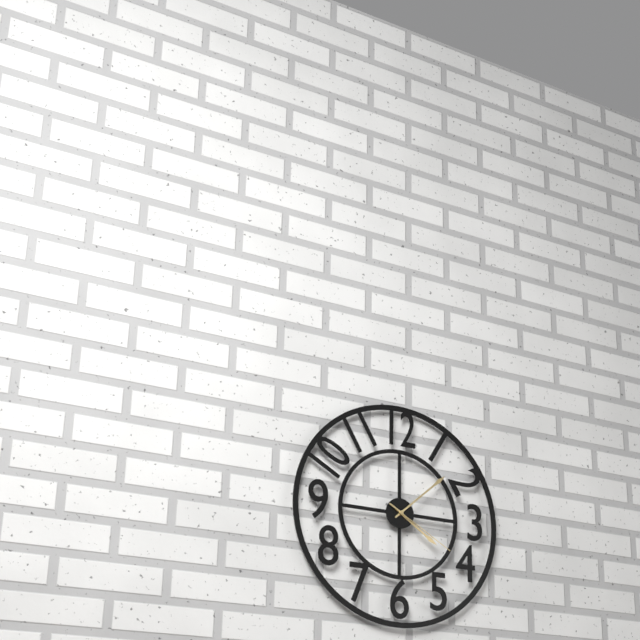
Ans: 4:08:20
